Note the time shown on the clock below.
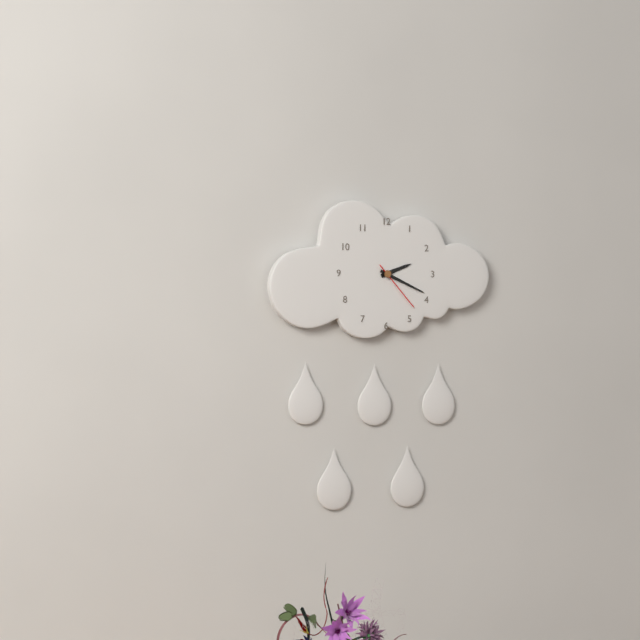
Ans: 2:19:23
